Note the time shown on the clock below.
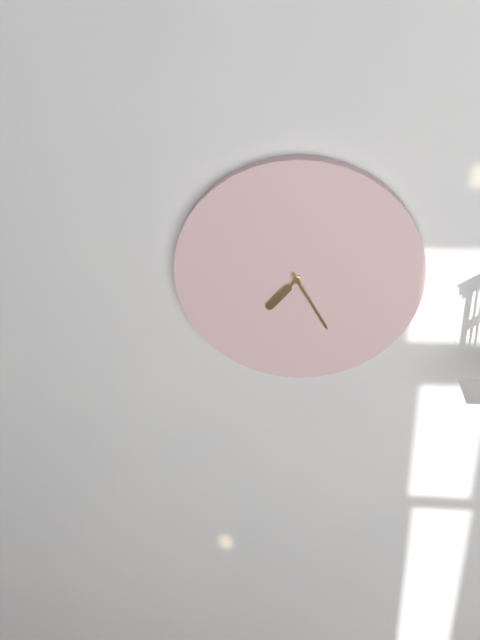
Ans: 7:25
